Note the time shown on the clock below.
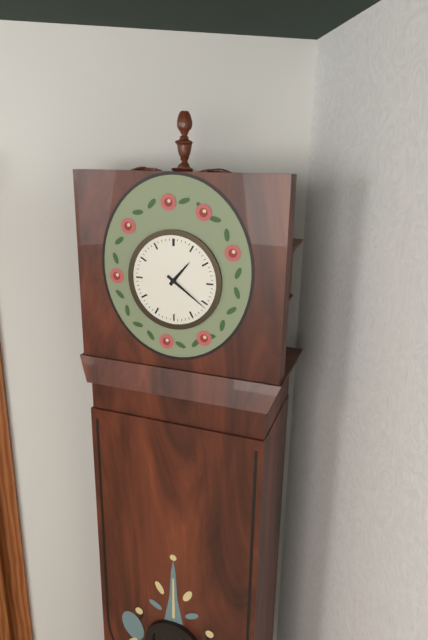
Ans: 1:21
